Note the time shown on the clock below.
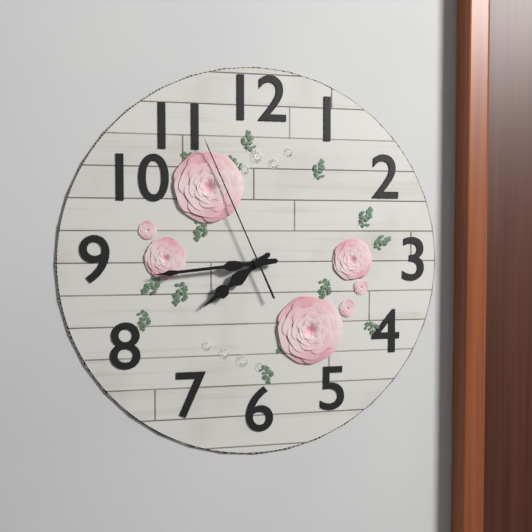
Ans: 7:44:56
